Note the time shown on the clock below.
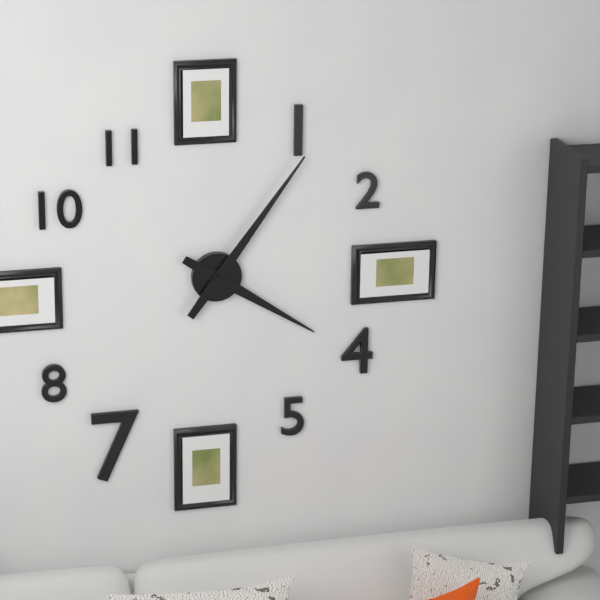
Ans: 4:06
